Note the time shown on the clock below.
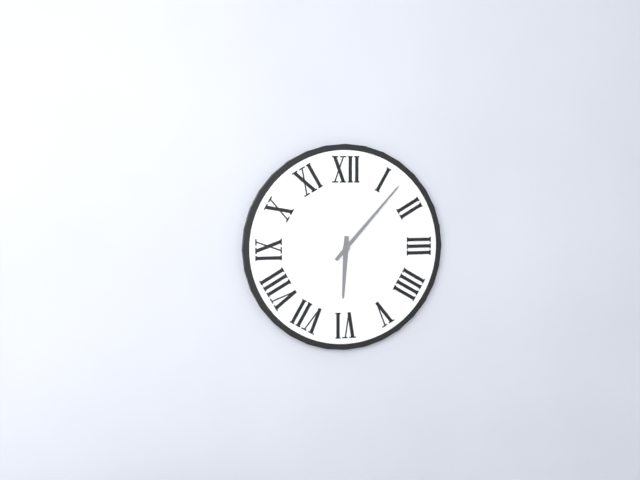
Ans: 6:07
